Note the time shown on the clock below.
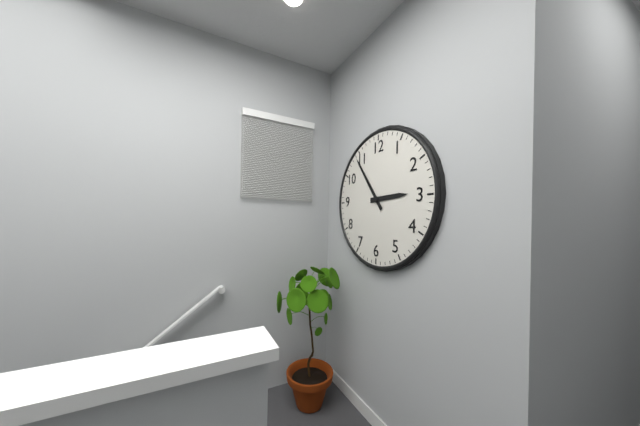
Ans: 2:54
